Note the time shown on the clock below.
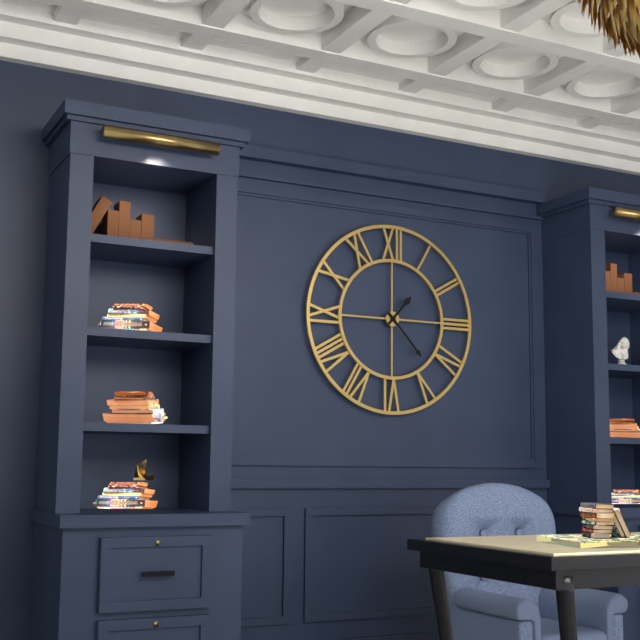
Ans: 1:23
